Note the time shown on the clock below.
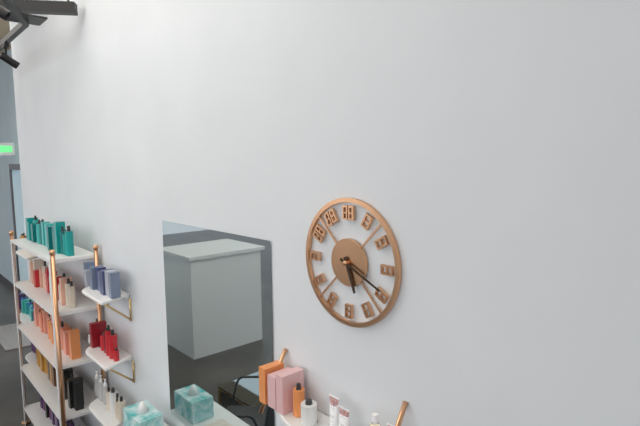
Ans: 5:19
